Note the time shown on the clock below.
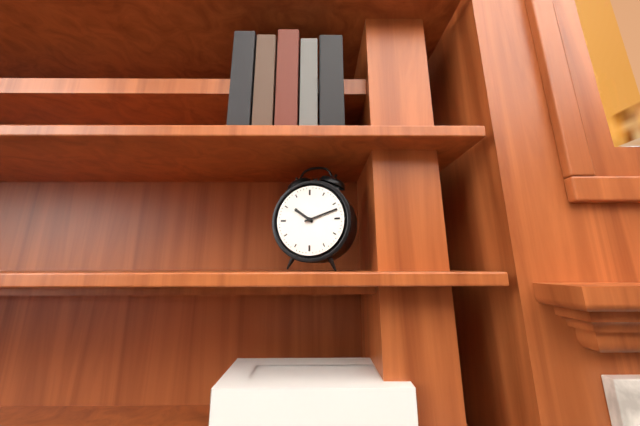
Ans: 10:12
